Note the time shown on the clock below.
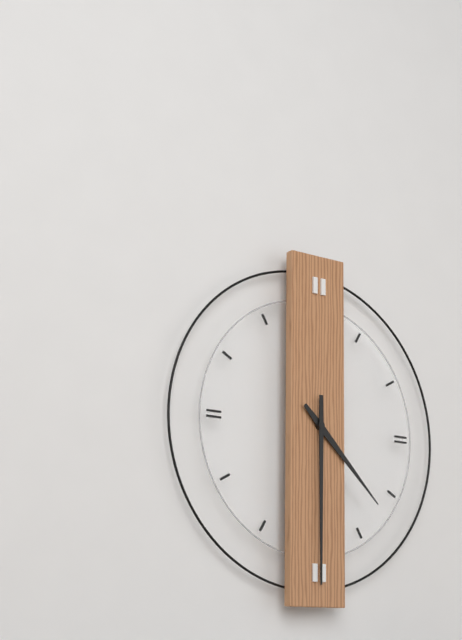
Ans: 4:30
